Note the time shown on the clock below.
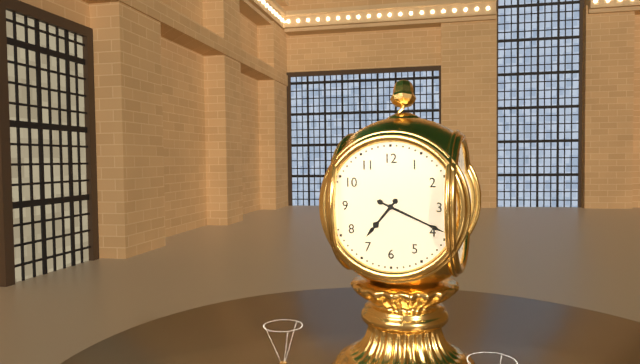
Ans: 7:19
